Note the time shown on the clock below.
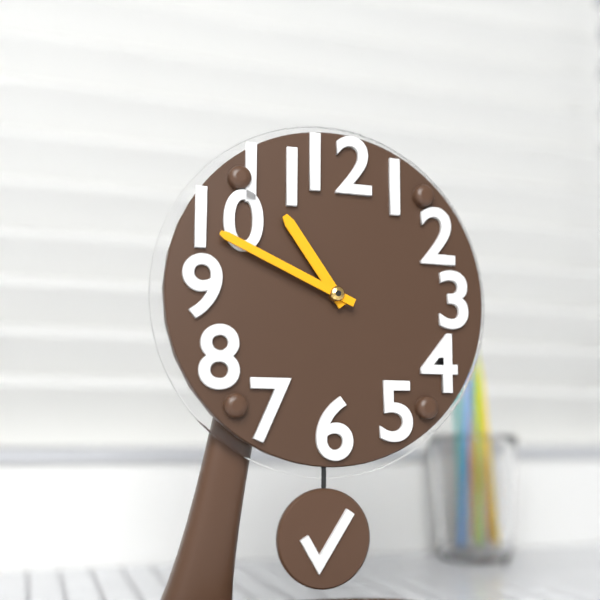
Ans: 10:49
